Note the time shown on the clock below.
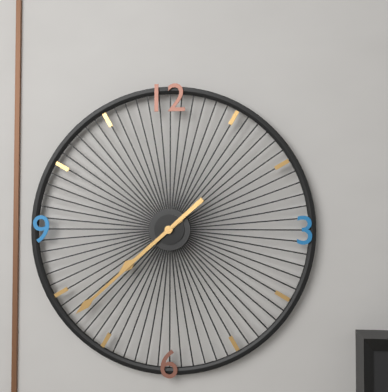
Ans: 7:38
